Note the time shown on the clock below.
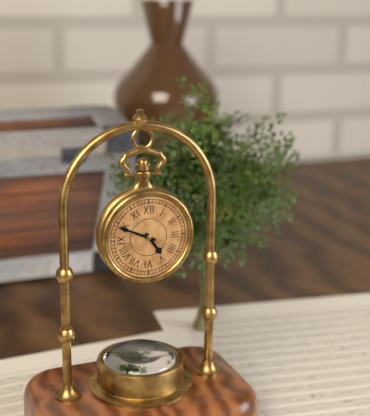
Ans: 4:49
